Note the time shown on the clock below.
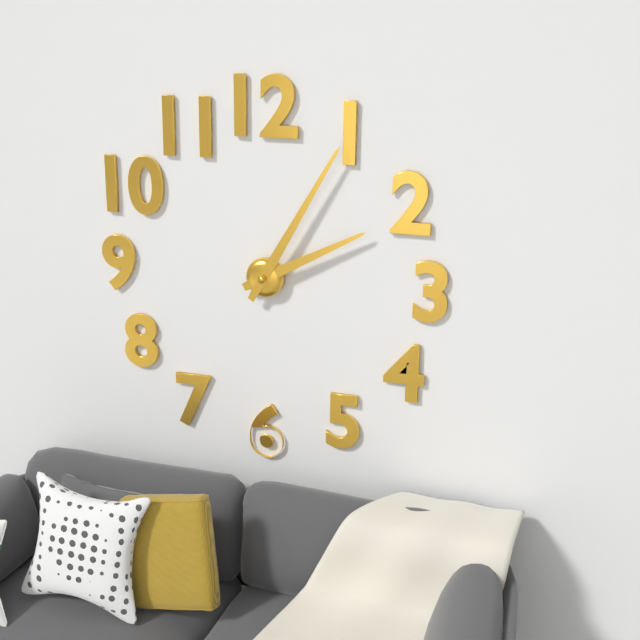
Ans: 2:05
